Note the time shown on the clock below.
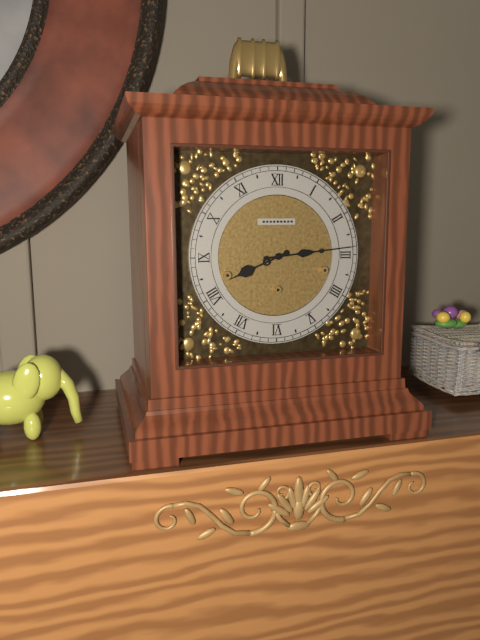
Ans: 8:14
